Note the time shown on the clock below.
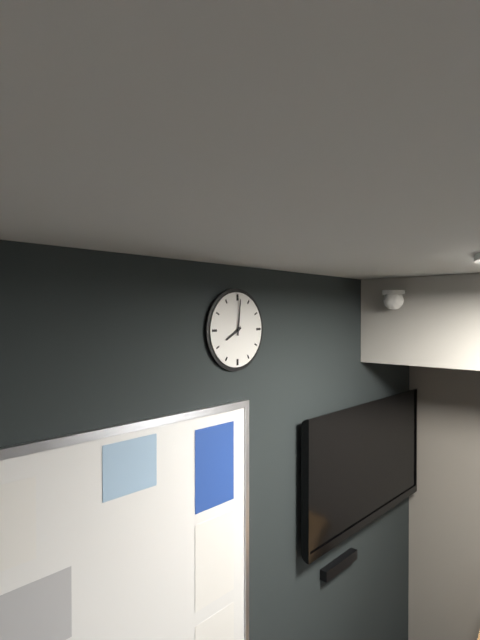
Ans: 8:01
